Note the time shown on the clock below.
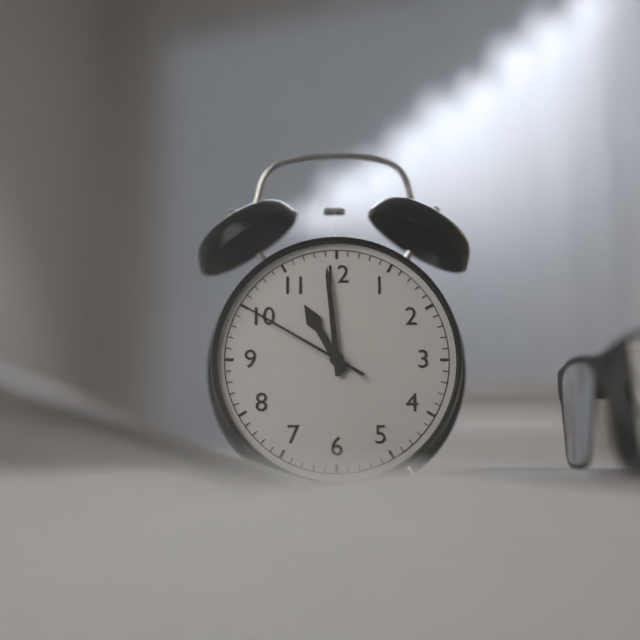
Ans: 10:59:50
